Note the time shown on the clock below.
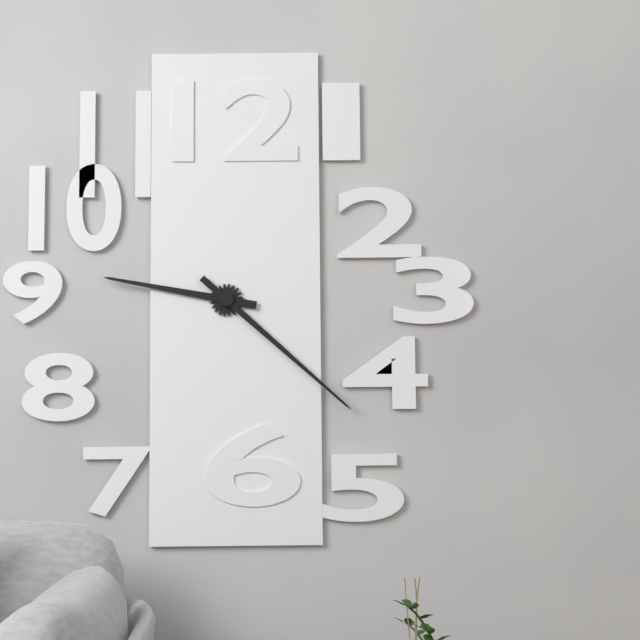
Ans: 9:22
